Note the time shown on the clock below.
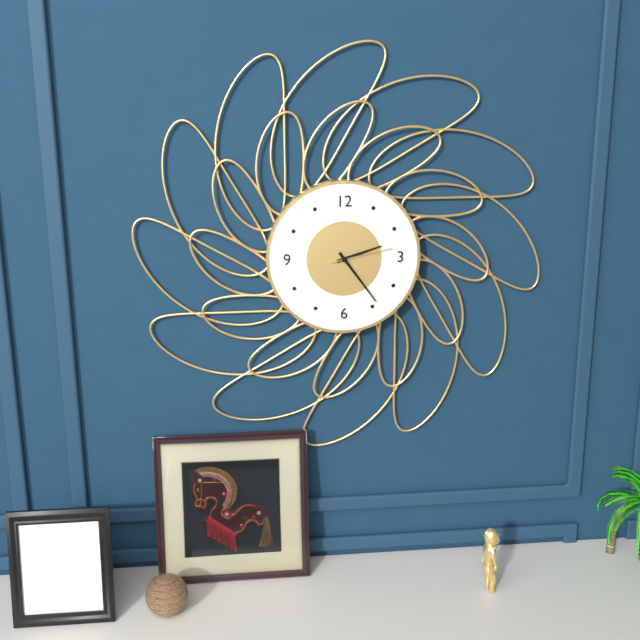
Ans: 2:24:13
